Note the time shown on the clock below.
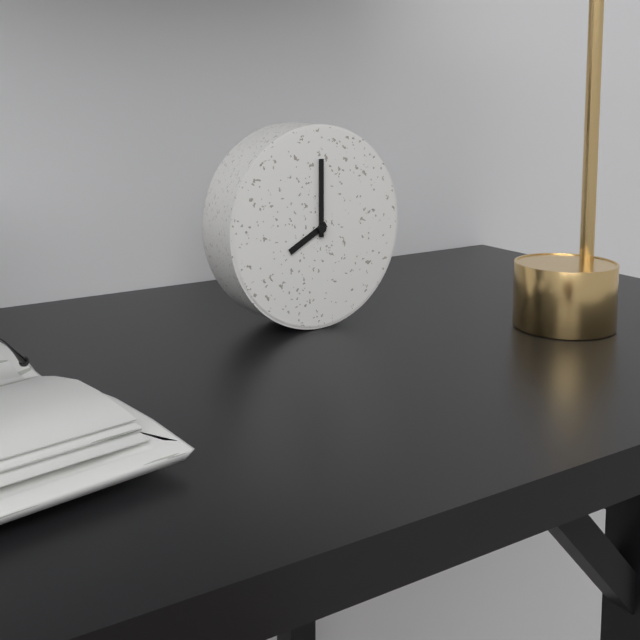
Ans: 8:00
